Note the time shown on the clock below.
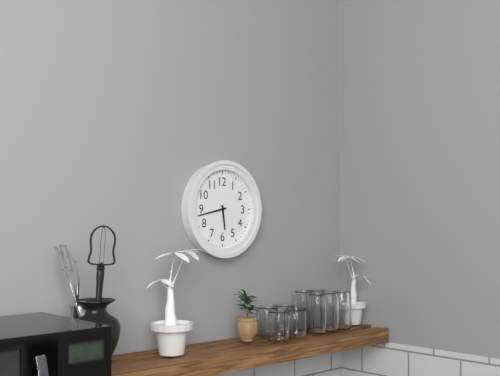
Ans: 5:43
